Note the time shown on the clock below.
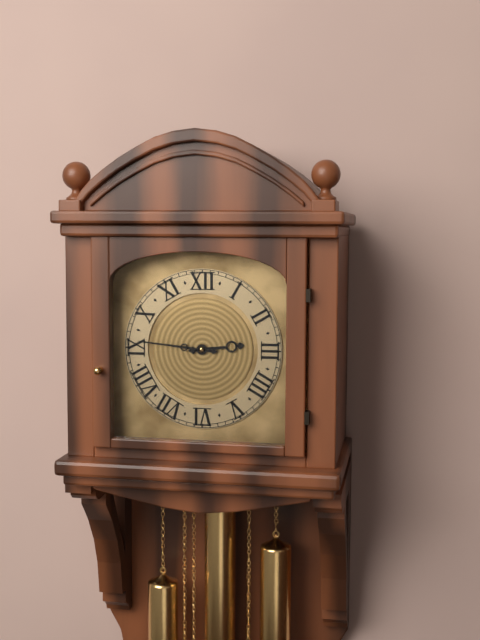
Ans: 2:46
